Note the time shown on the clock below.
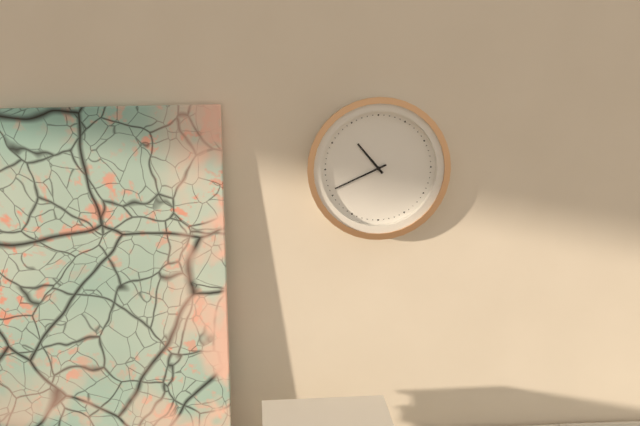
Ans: 10:41
